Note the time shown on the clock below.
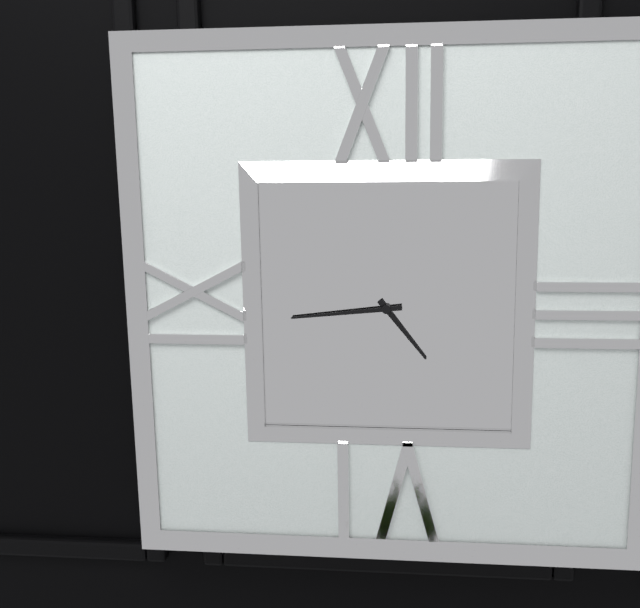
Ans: 4:44
